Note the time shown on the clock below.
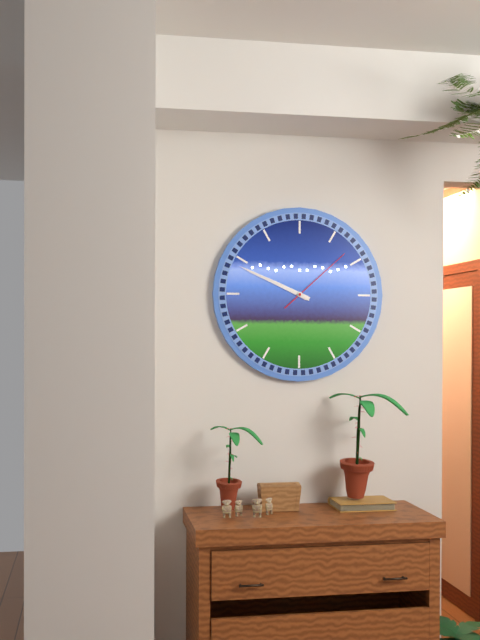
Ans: 9:49:08
